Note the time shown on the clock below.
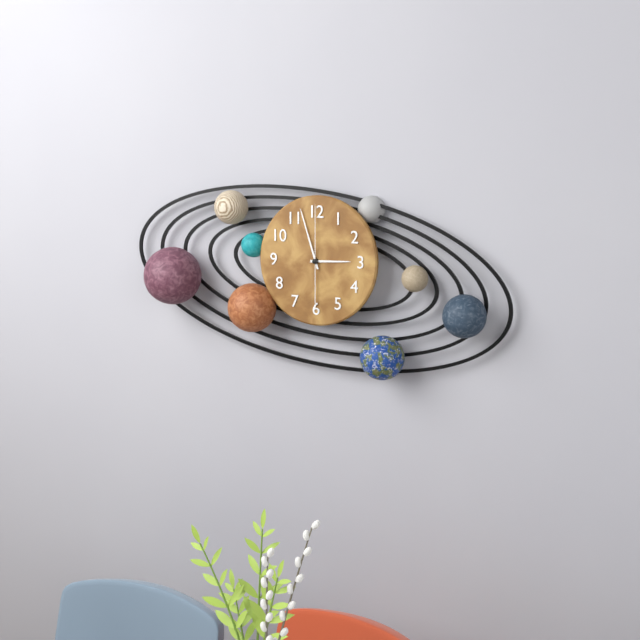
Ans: 2:57:00
